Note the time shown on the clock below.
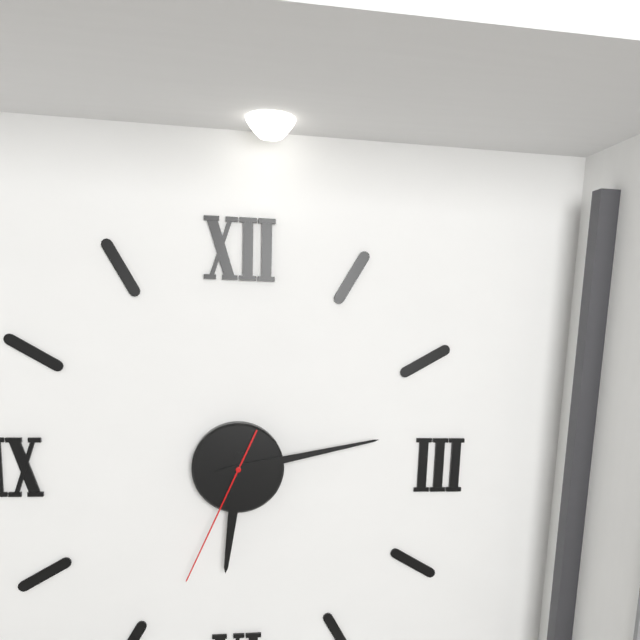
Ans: 6:13:34
